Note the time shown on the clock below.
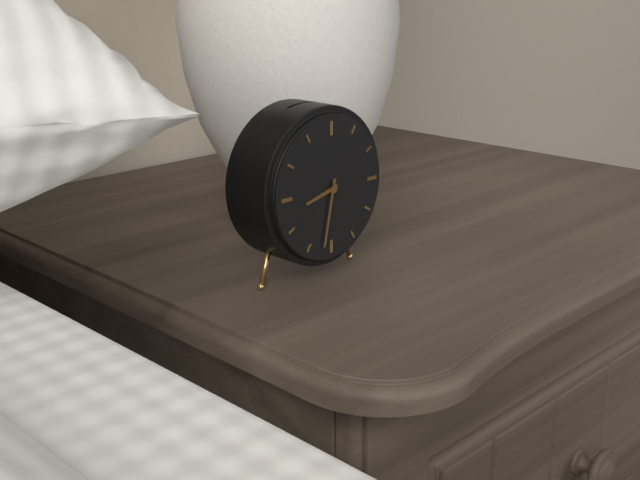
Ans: 8:32
